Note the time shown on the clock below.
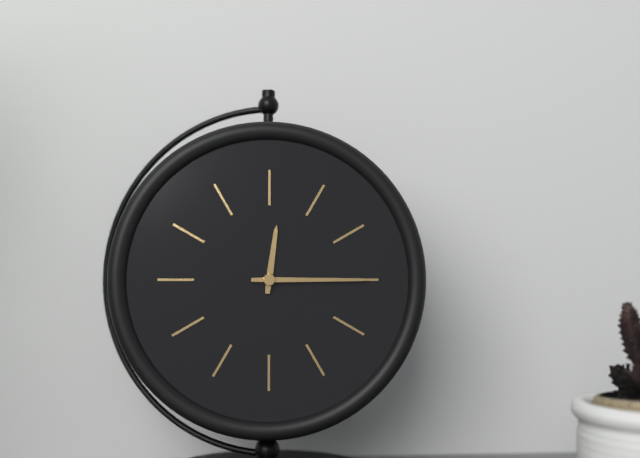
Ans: 12:15
